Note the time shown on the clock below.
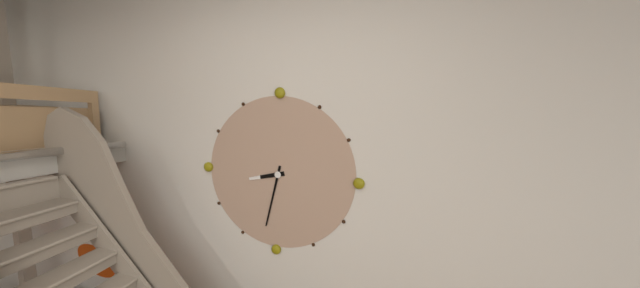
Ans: 8:32
